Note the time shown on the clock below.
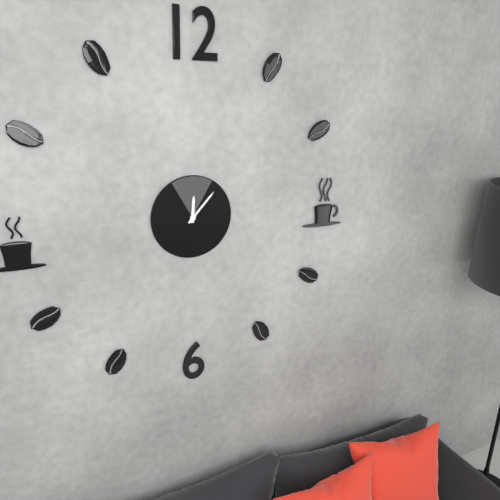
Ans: 12:07
